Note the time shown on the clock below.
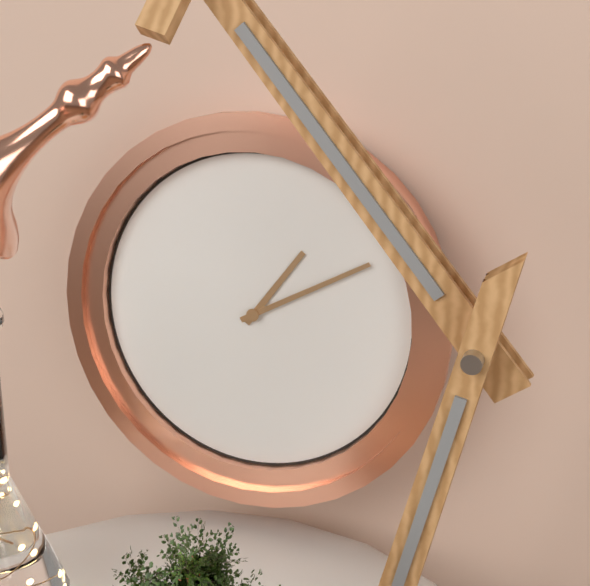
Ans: 1:10
